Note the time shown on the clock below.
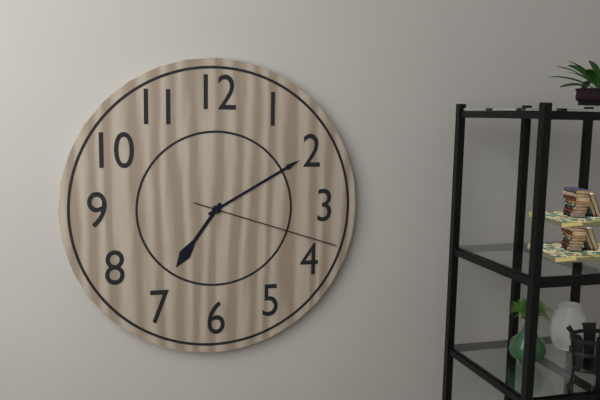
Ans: 7:10:18
